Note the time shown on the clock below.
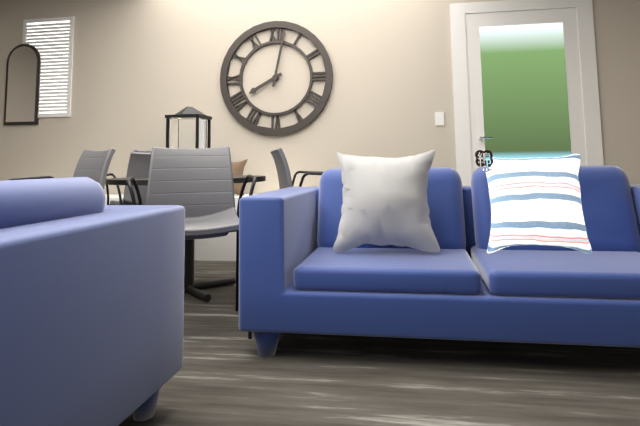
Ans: 8:02
